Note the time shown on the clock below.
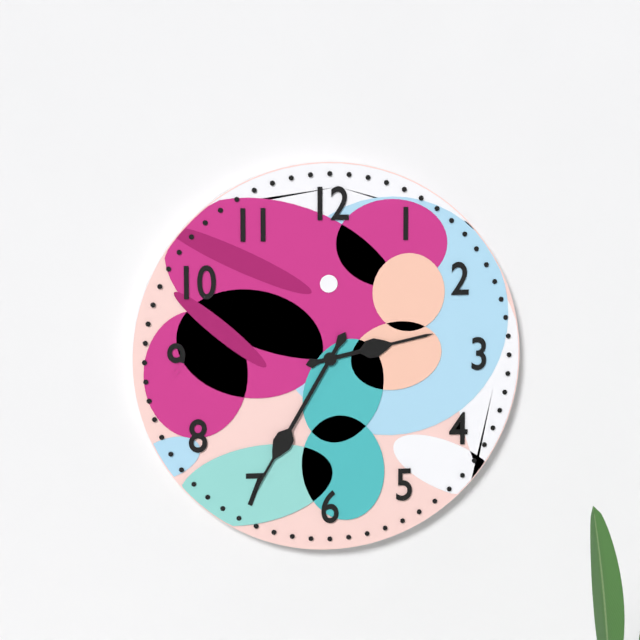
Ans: 2:35
